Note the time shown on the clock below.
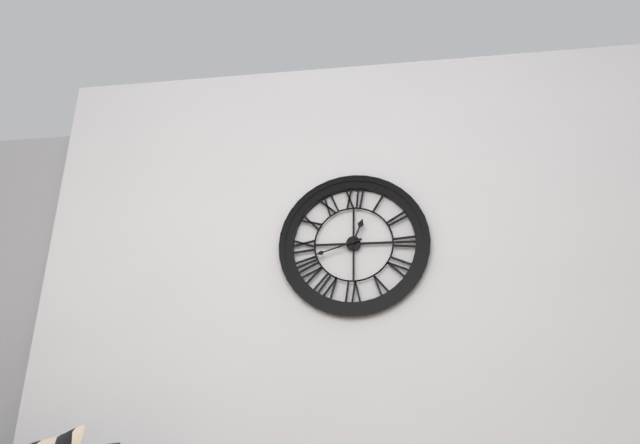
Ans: 12:42
